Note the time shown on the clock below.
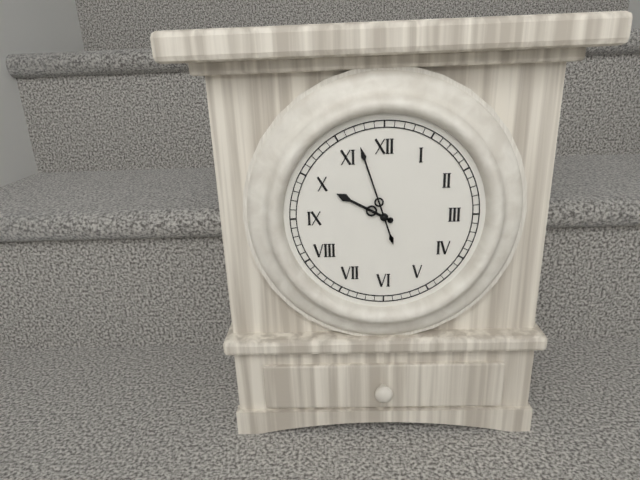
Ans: 9:57
